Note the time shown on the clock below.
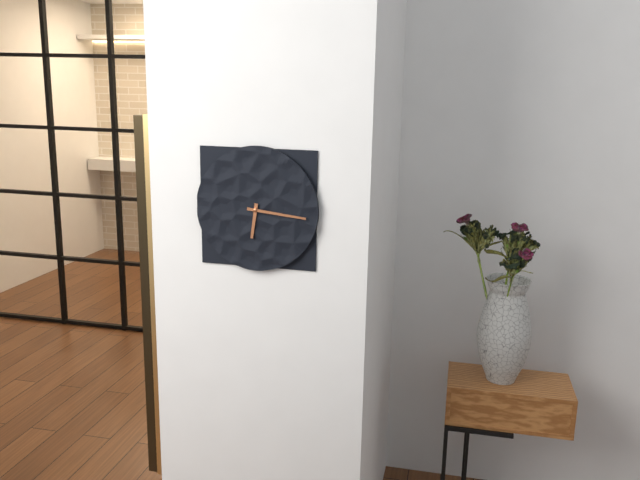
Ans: 6:16
